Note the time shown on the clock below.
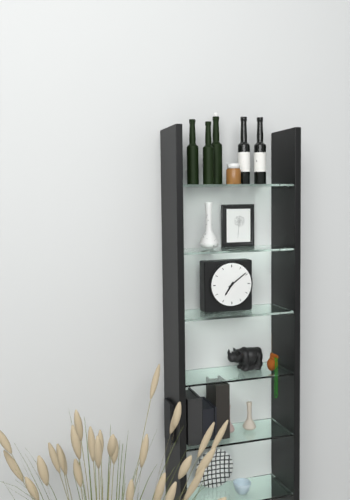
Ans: 7:09
